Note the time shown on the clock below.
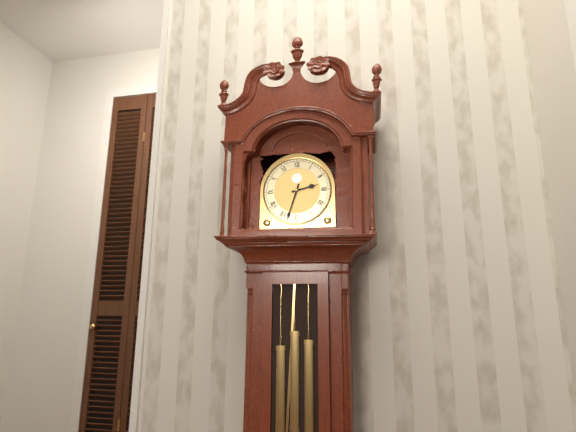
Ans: 2:33
